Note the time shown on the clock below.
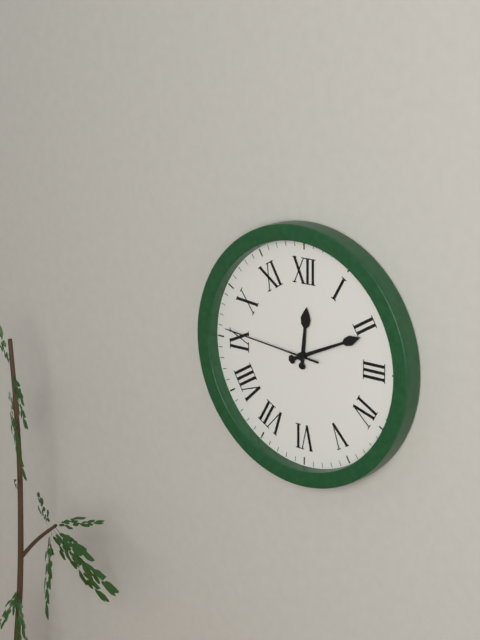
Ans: 12:11:46
